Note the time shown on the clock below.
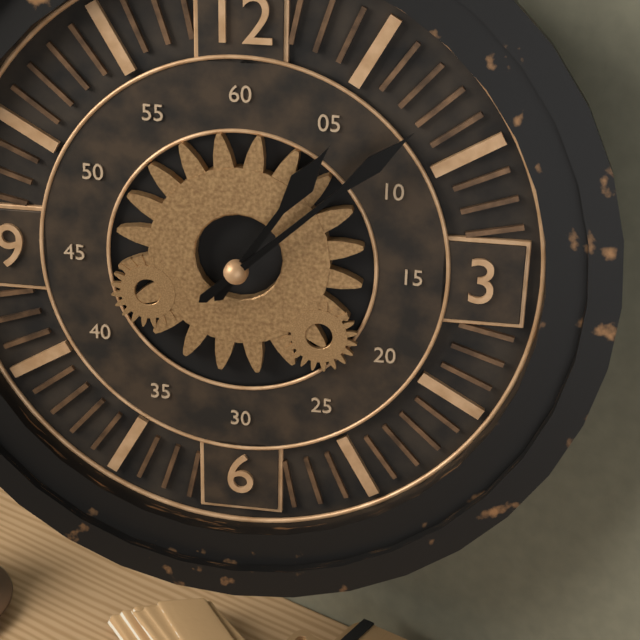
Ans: 1:08
